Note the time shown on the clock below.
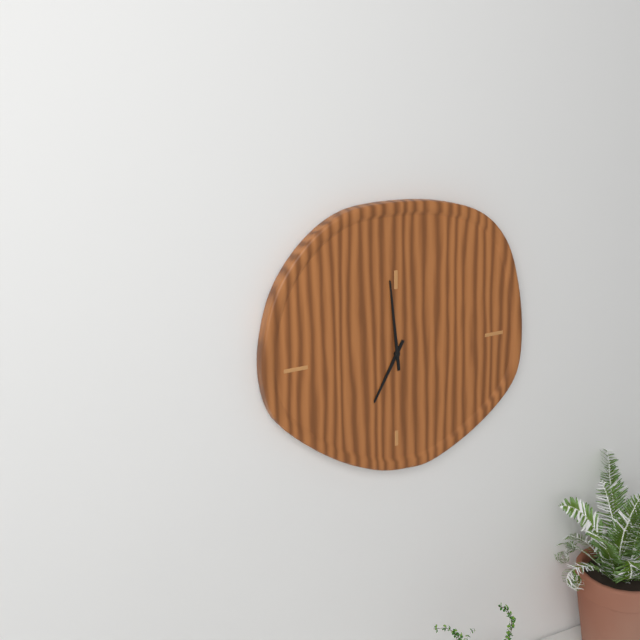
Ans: 6:59
